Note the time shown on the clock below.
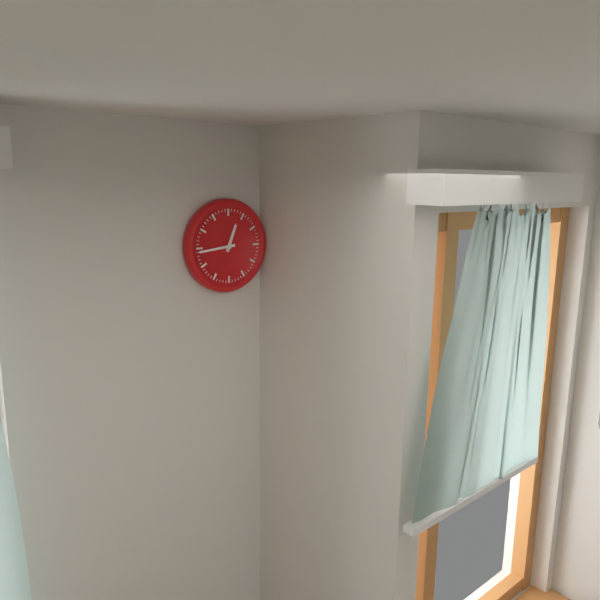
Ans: 12:44
